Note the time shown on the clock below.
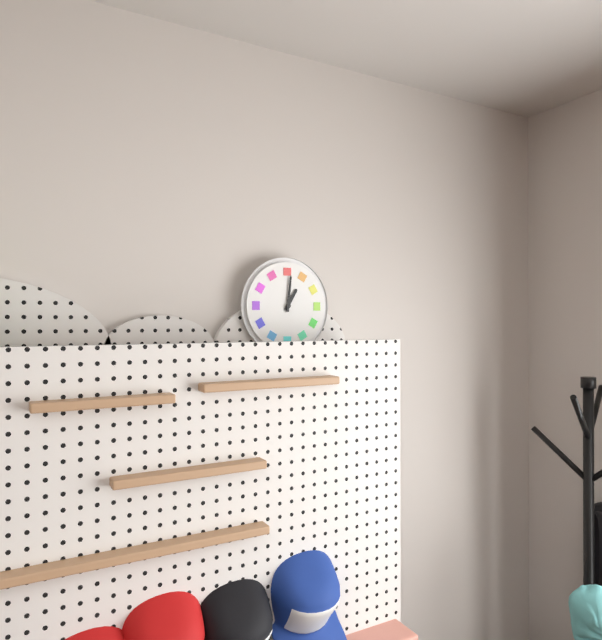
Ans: 1:01
